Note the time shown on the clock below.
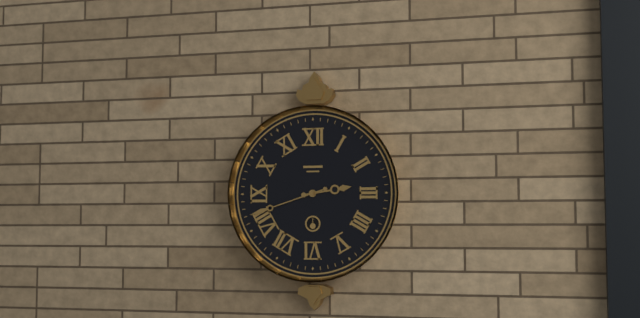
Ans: 2:42
